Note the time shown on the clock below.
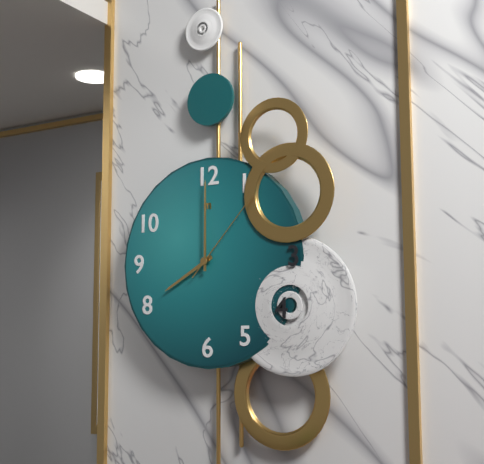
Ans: 8:00:07
